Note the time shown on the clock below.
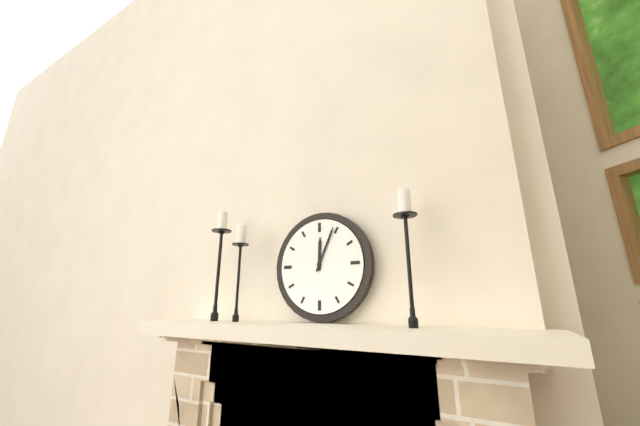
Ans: 12:04
